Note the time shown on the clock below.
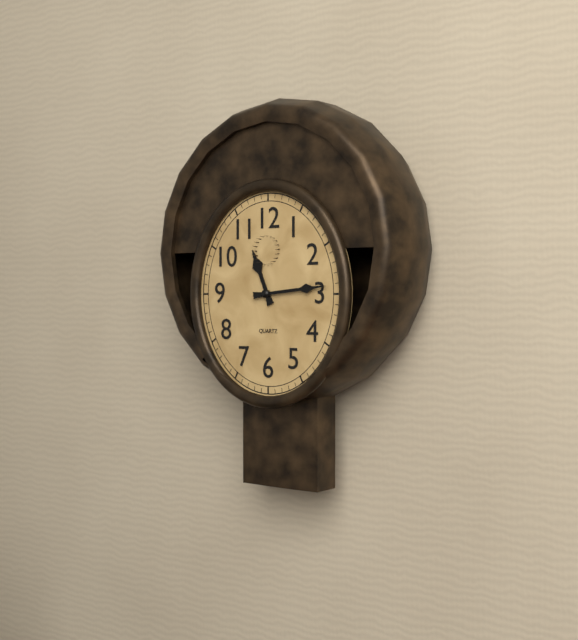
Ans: 11:14
